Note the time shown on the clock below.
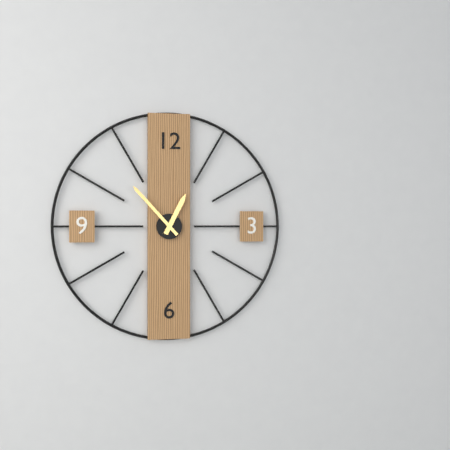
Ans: 12:53
